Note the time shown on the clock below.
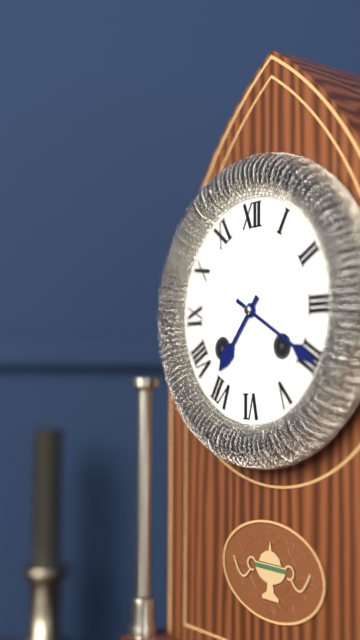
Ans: 7:20
